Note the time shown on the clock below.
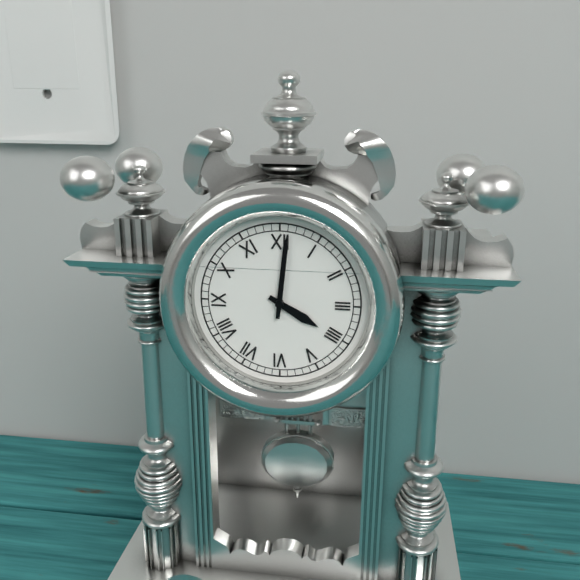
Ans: 4:01
